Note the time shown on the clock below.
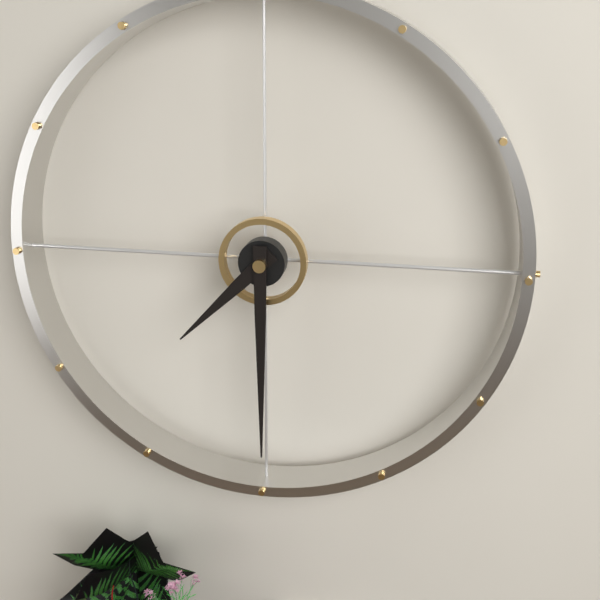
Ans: 7:30
